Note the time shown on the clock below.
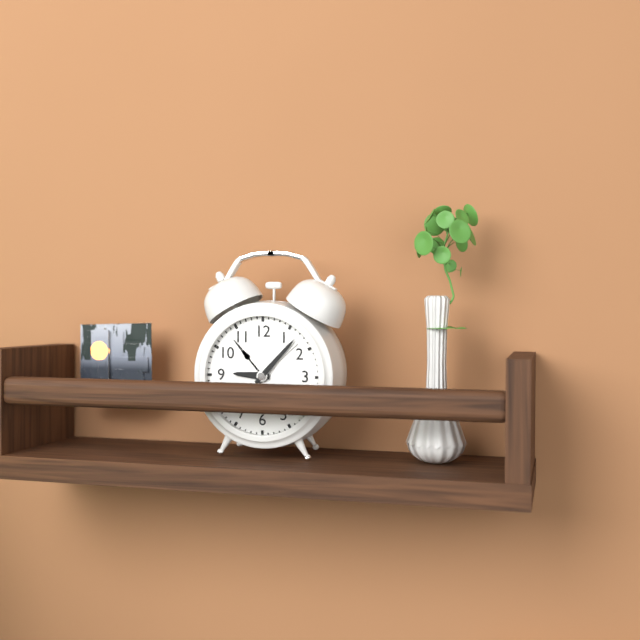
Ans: 9:07
